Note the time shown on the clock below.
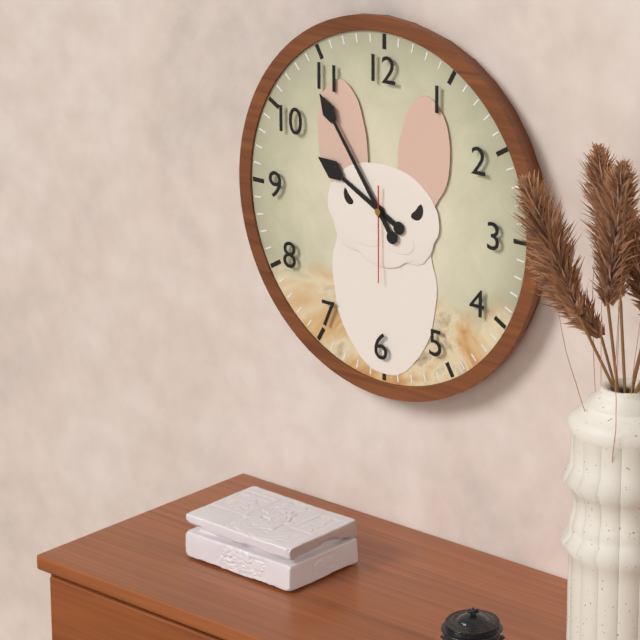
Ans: 9:54:30
